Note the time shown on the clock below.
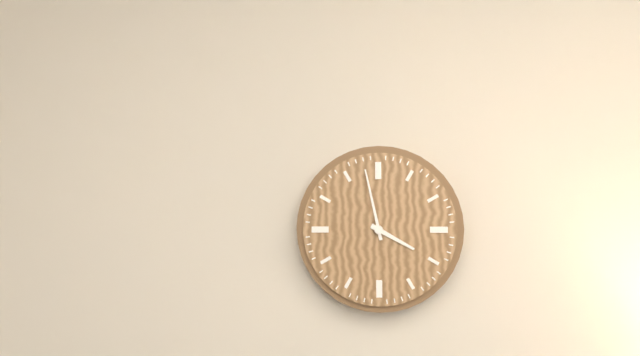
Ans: 3:58
